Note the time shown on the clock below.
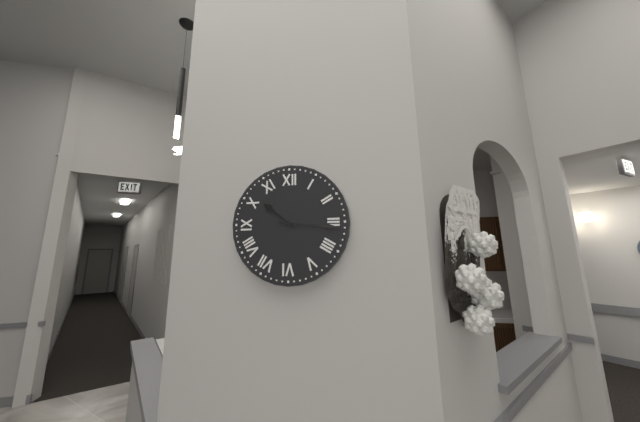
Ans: 10:16
